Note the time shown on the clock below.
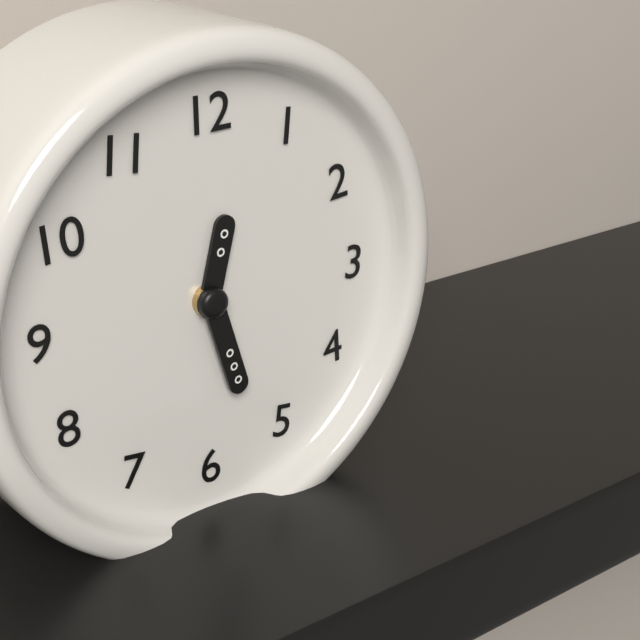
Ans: 12:27
